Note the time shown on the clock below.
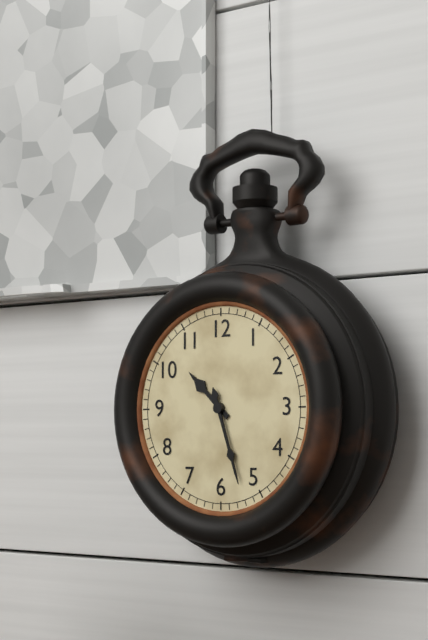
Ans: 10:27
